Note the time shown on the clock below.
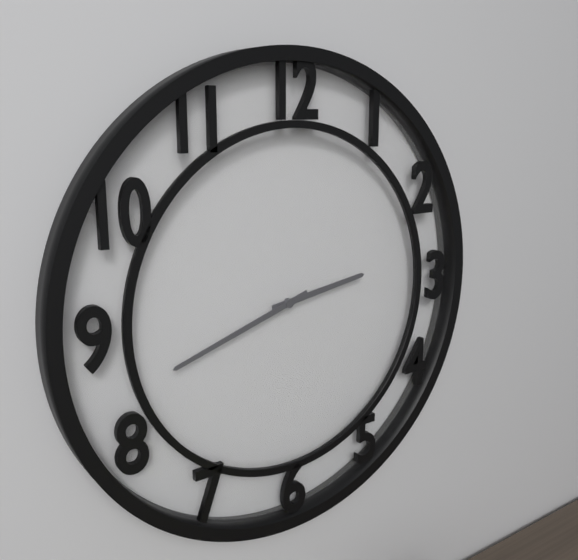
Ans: 2:42
